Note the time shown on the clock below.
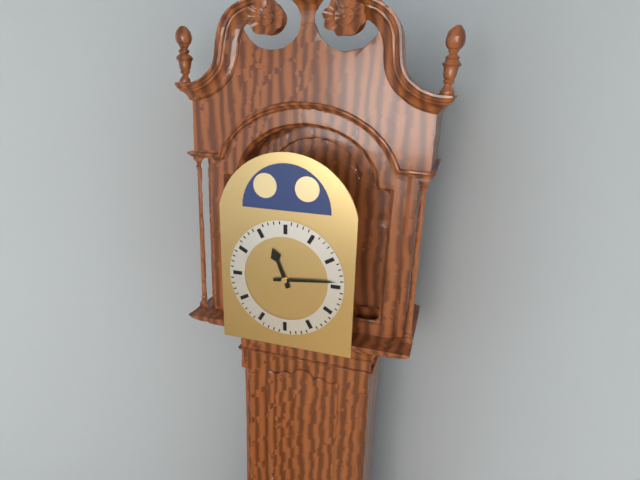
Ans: 11:14
